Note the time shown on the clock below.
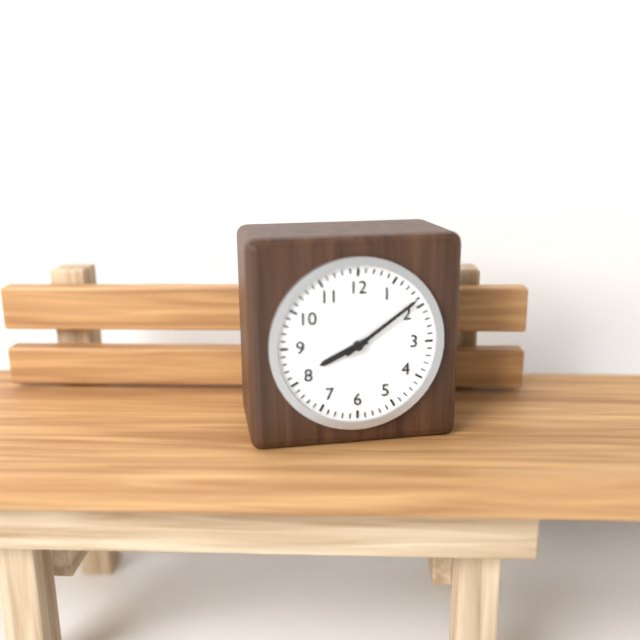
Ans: 8:09
